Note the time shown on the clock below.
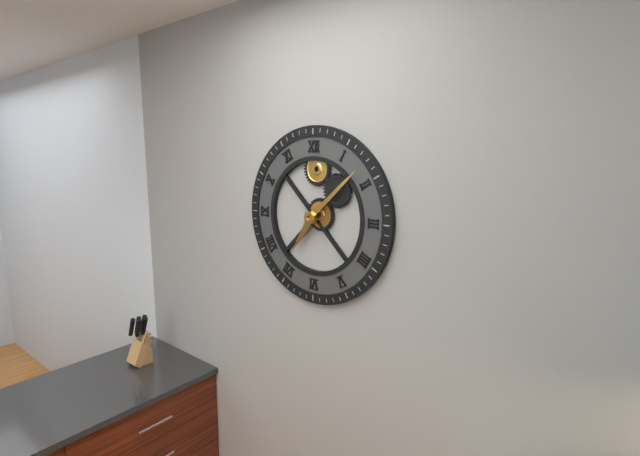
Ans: 7:08
